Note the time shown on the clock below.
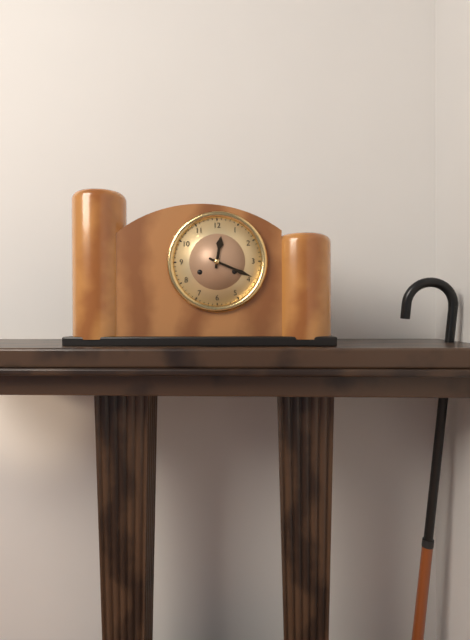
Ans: 12:19
